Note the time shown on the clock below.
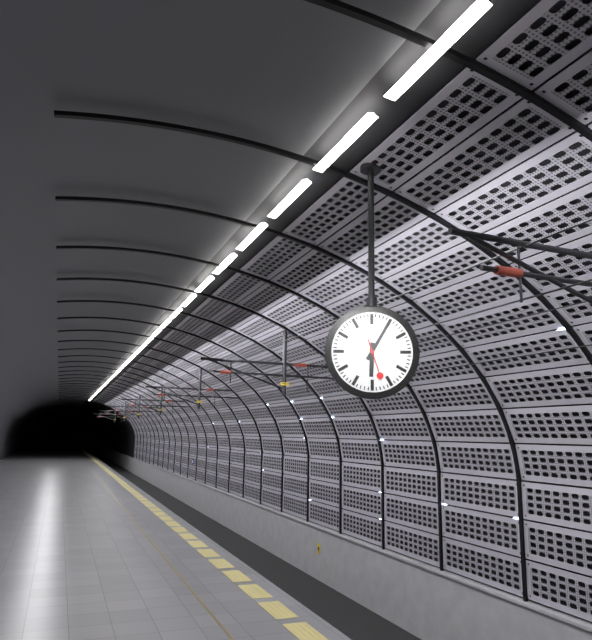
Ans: 6:05
